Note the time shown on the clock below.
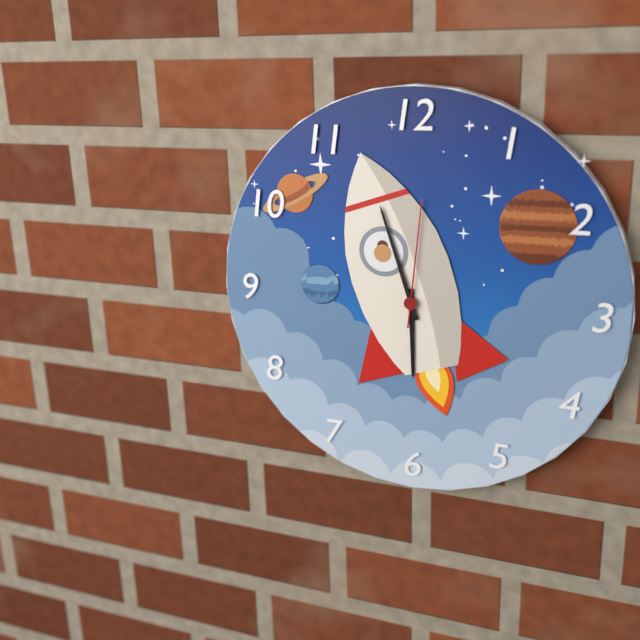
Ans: 5:57:01
